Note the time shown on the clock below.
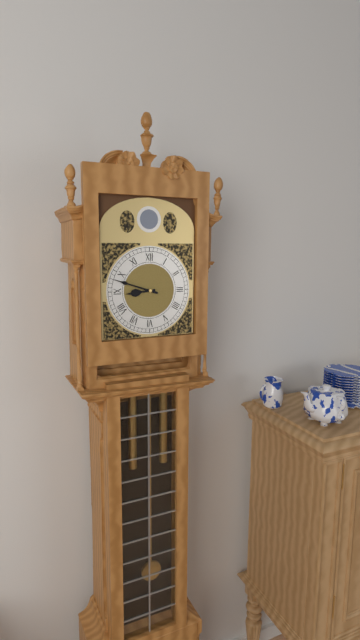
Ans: 8:48
